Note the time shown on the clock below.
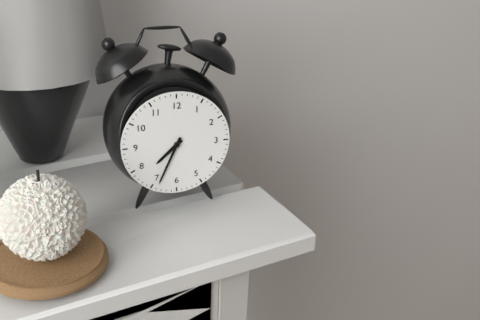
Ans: 7:34
